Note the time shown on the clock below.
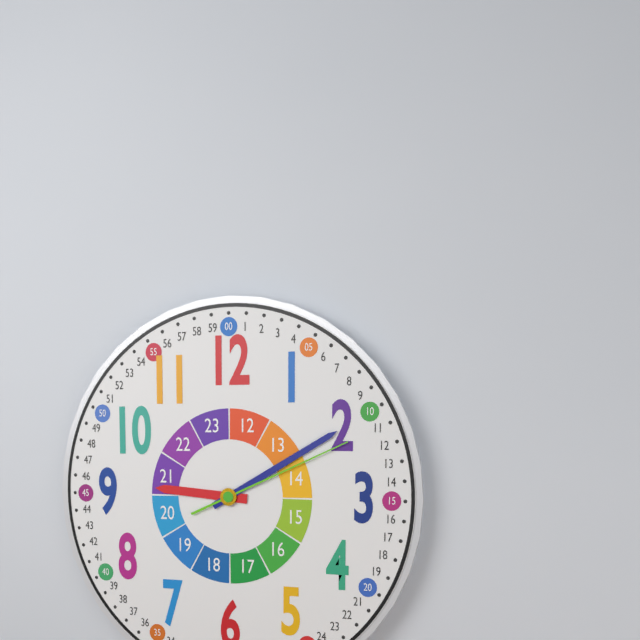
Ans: 9:10:11
